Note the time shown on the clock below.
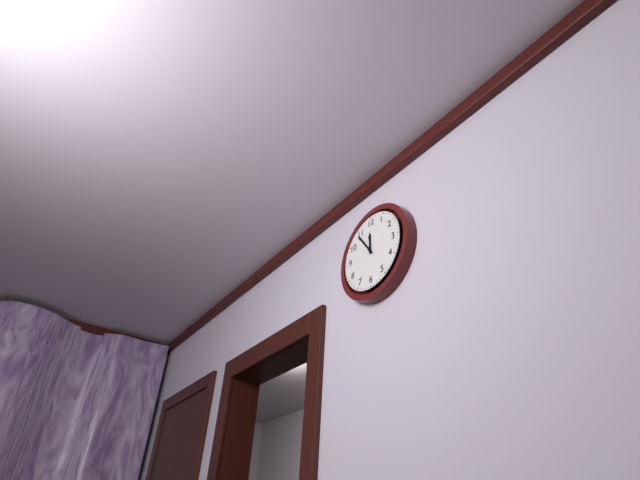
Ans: 11:54
